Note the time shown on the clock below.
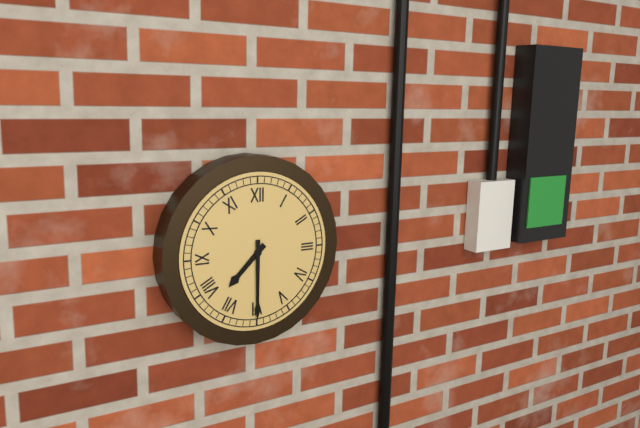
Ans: 7:30
